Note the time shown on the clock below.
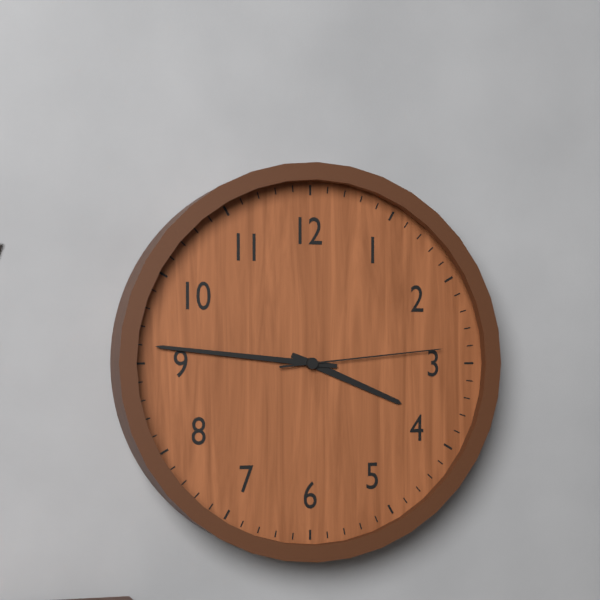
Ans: 3:46:14
